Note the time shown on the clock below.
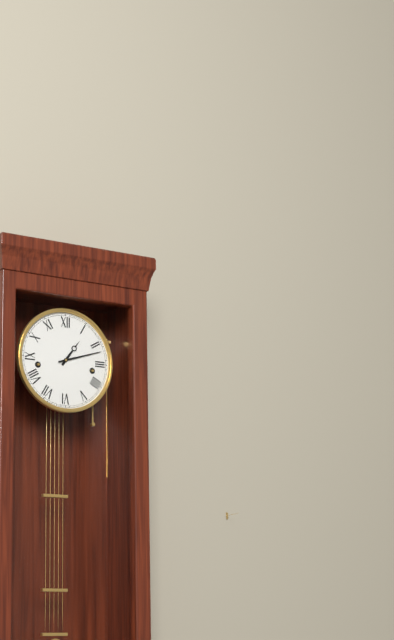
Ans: 1:12
